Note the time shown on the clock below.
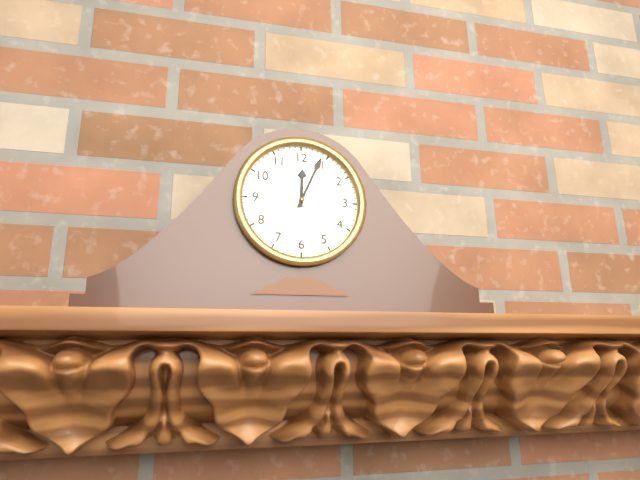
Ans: 12:04
